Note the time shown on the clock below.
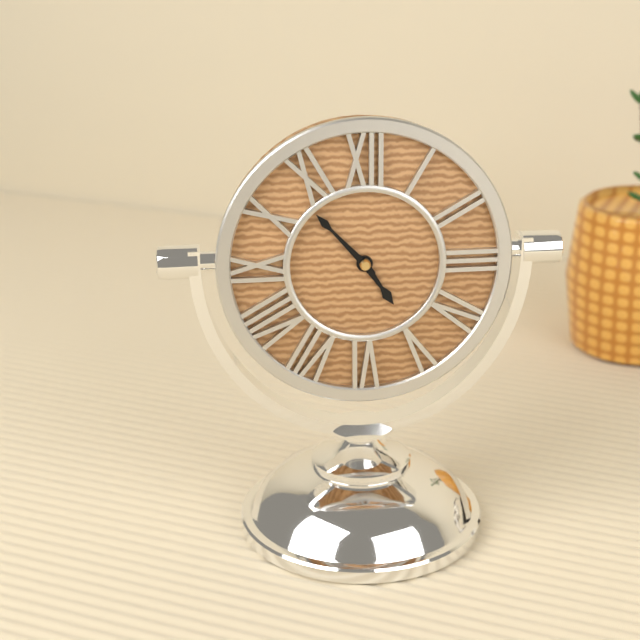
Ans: 4:53
